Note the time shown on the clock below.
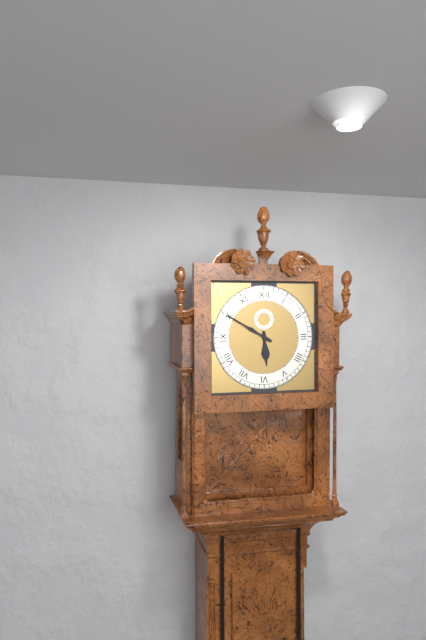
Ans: 5:50
